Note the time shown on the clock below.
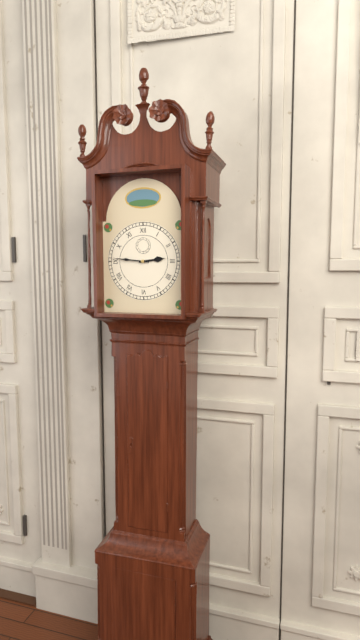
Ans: 2:46
